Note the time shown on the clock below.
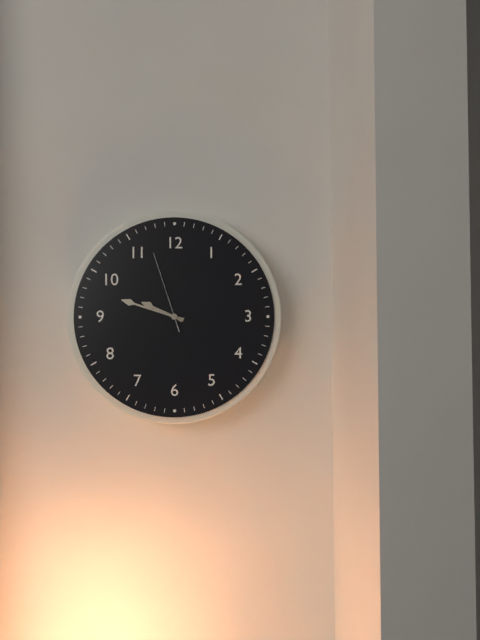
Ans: 9:48:57
